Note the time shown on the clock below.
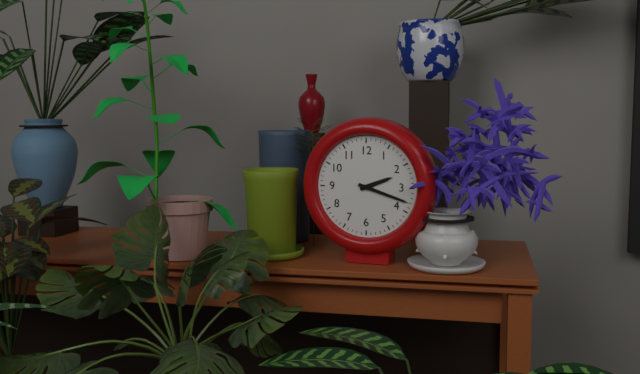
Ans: 2:18
